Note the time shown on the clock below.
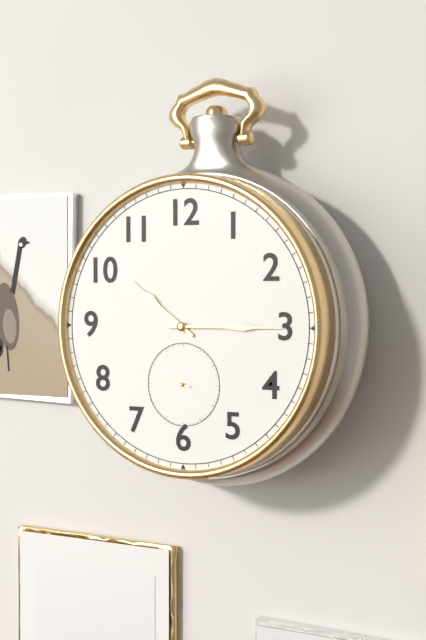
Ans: 10:15
